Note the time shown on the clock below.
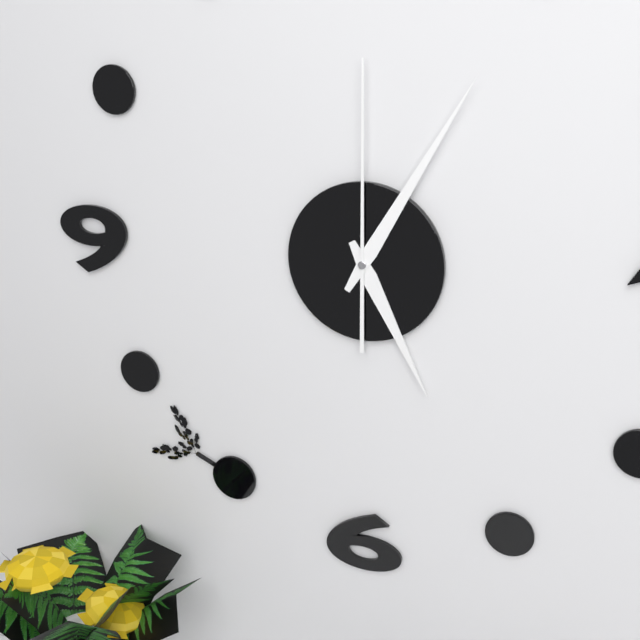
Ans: 5:05:00
